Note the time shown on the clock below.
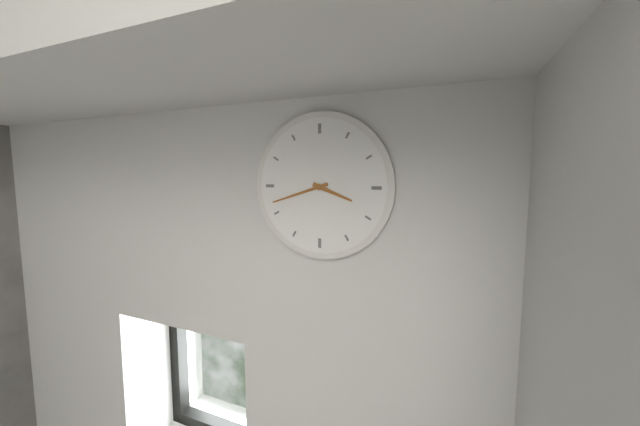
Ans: 3:42
